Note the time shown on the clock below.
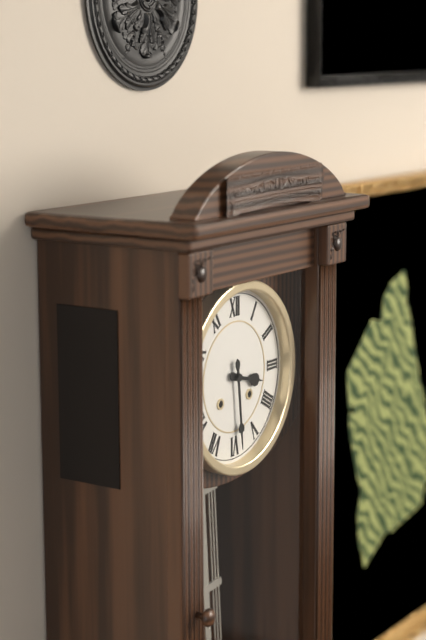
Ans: 3:29
